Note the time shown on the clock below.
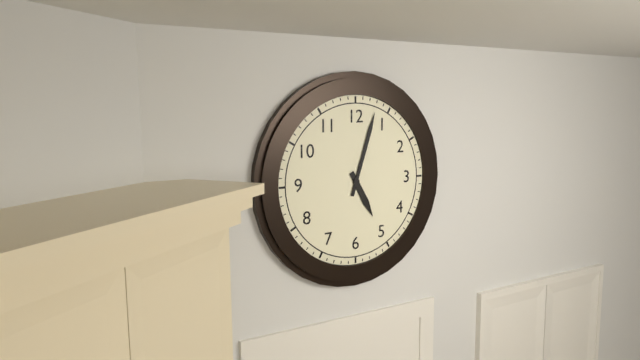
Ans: 5:03
